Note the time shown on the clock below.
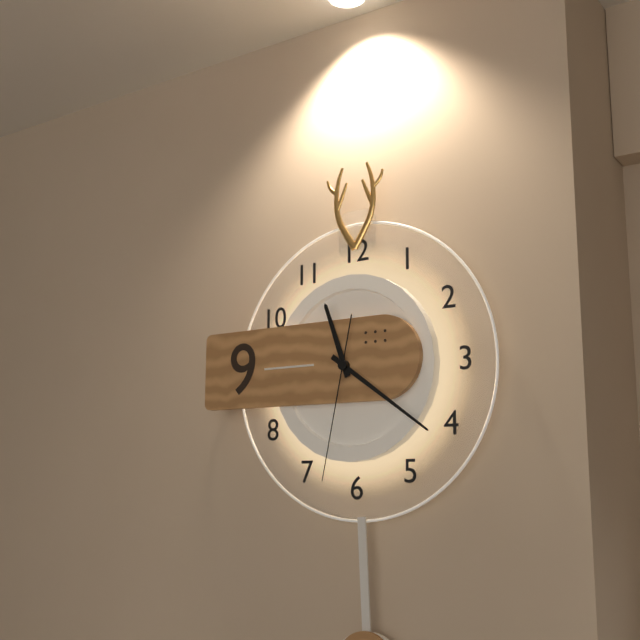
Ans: 11:21:32
